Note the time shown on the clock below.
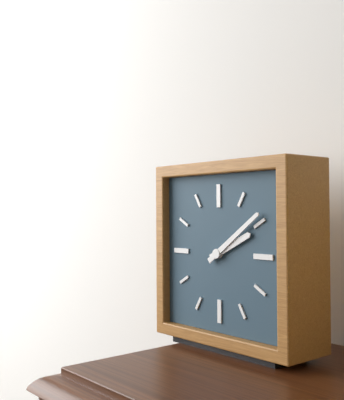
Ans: 2:09
